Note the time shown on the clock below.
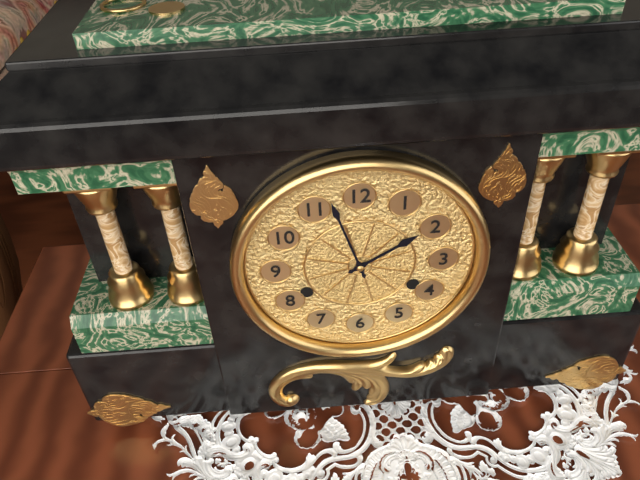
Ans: 1:57
